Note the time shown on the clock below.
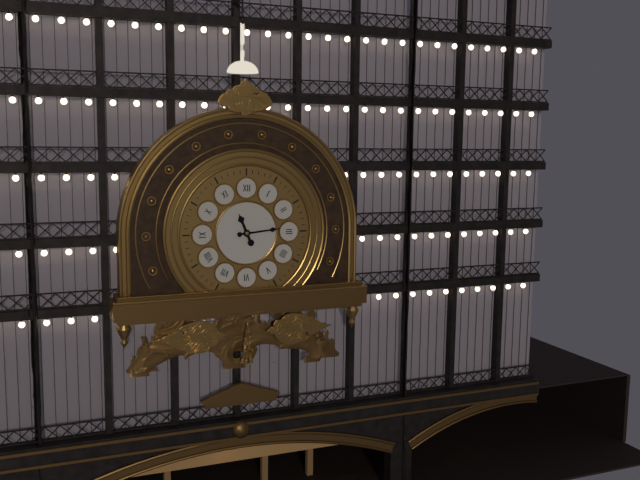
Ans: 11:14
